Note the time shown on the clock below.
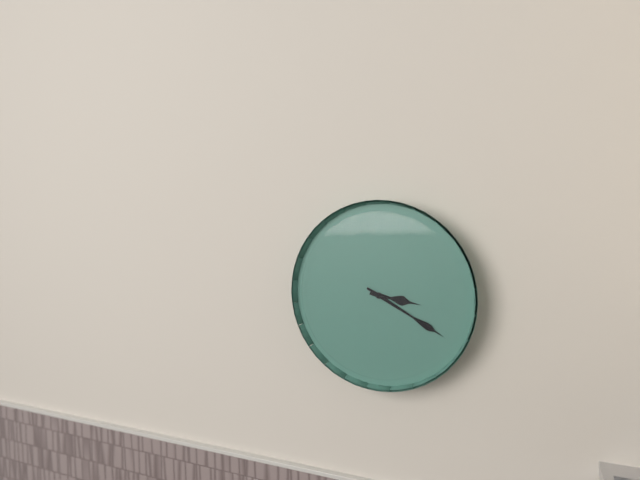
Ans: 3:20
